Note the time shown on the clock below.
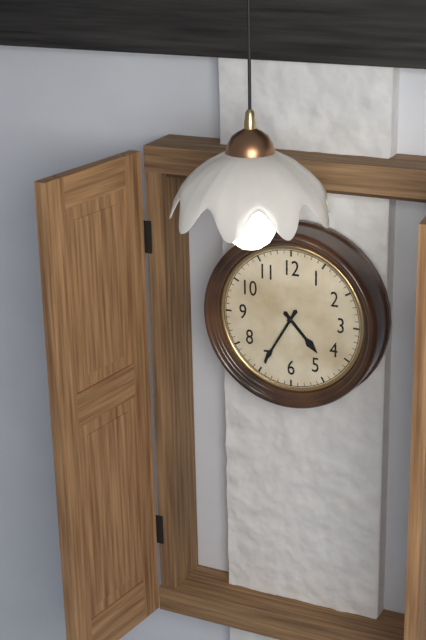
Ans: 4:35
